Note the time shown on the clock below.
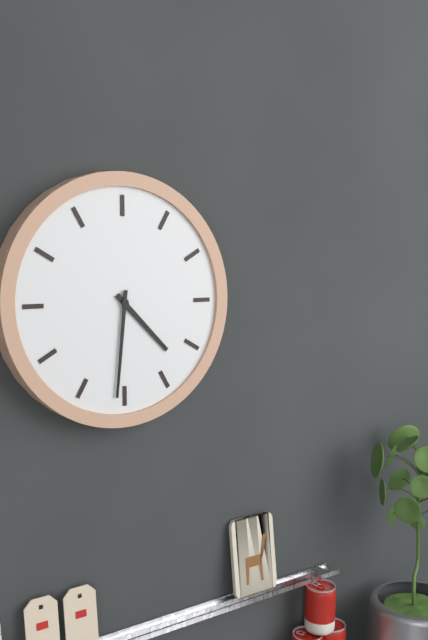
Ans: 4:31
